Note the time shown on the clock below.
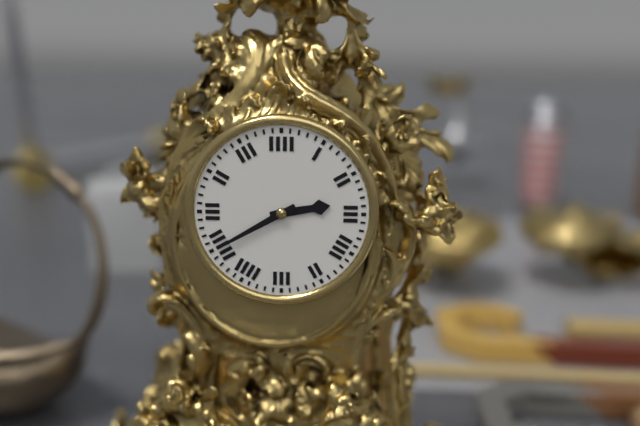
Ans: 2:40
